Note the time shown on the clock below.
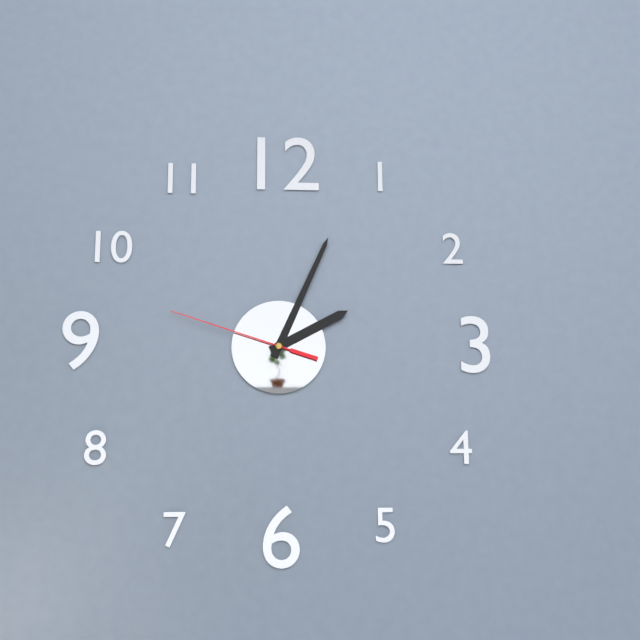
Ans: 2:04:48
